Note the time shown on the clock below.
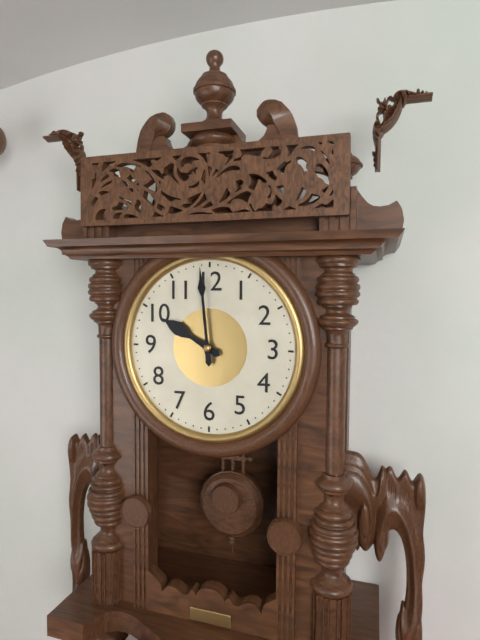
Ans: 9:59
